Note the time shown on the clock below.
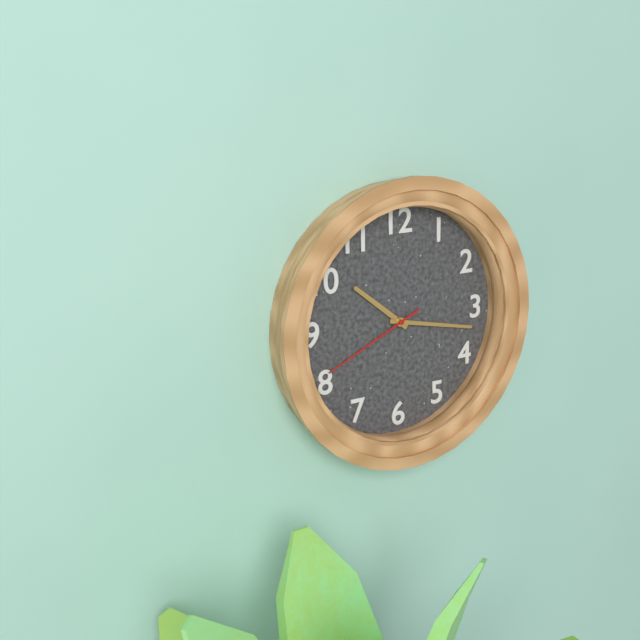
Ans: 10:17:41
